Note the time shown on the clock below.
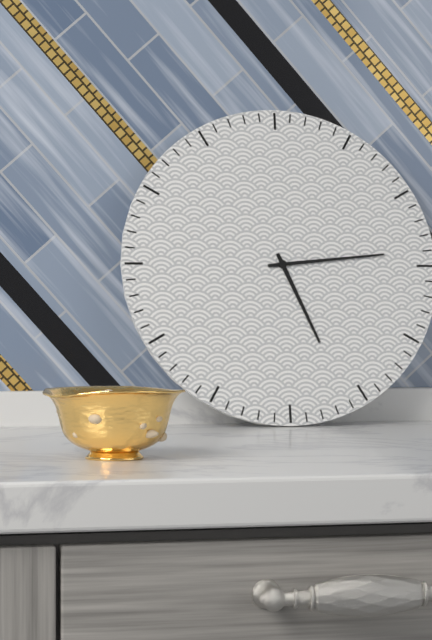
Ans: 5:14
